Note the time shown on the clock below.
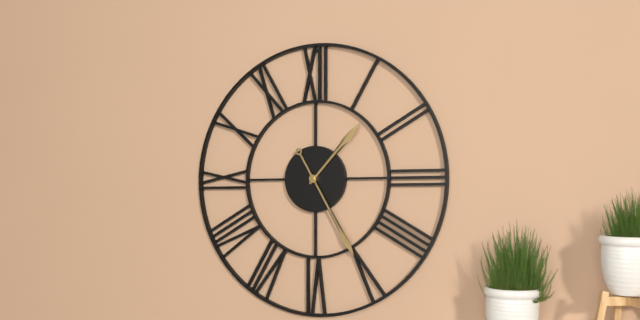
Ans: 1:25
